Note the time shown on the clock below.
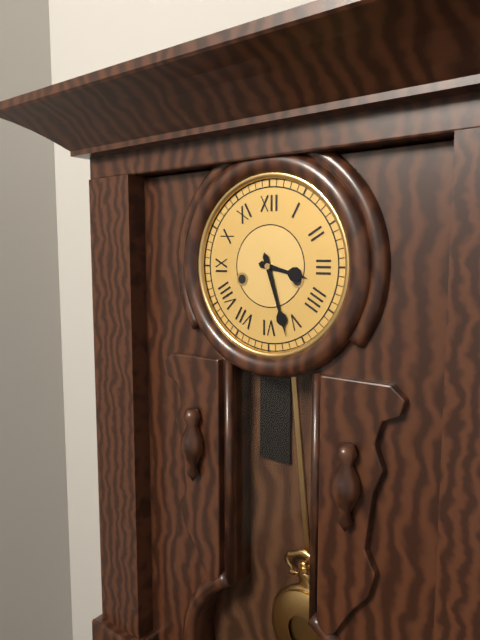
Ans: 3:27
